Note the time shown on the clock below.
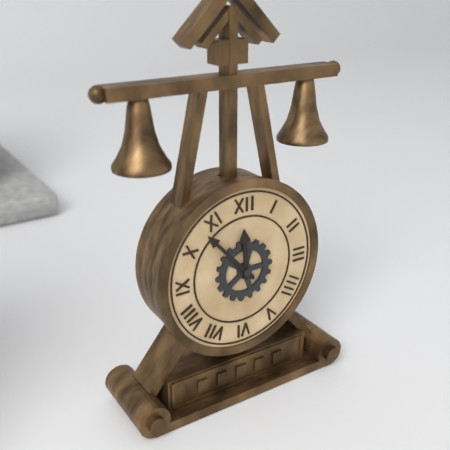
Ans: 11:53
